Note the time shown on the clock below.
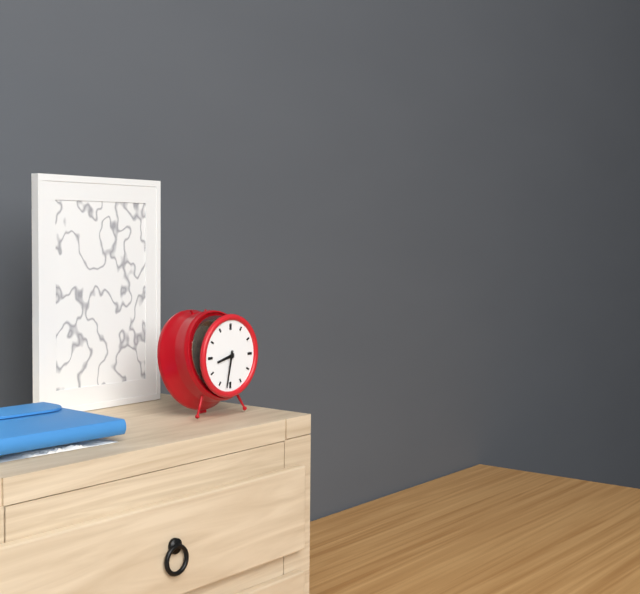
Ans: 8:32
